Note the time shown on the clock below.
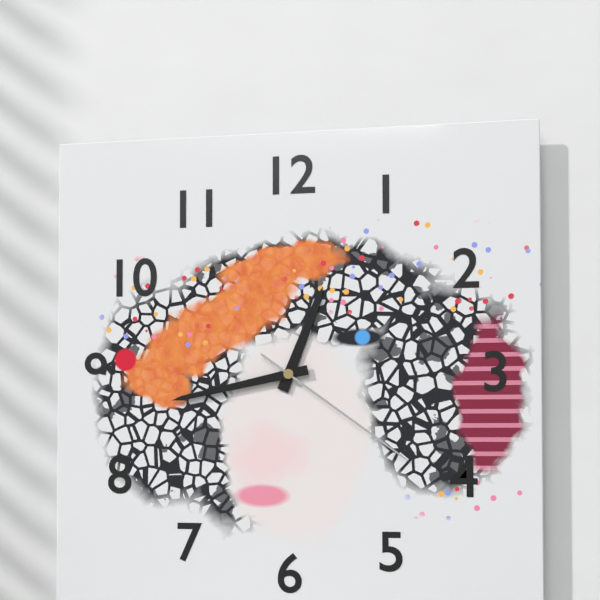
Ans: 12:43:21
